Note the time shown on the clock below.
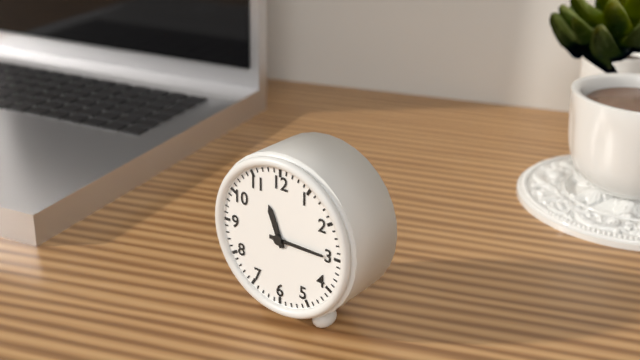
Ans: 11:15
